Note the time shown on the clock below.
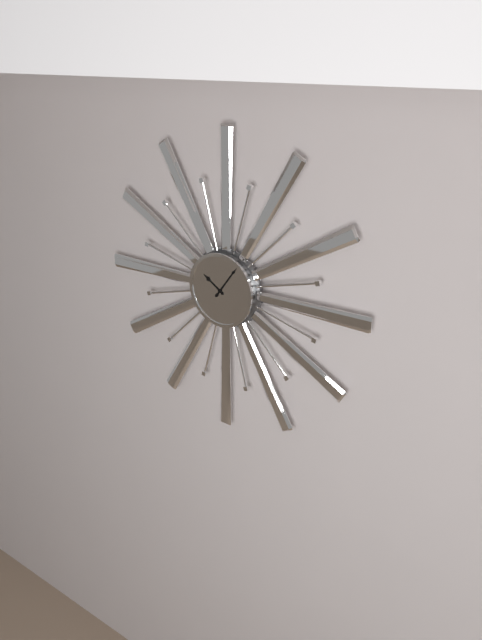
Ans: 10:06
